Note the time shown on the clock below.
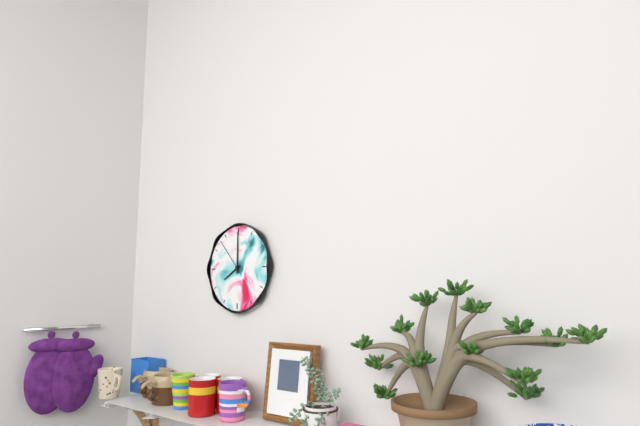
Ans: 8:00
